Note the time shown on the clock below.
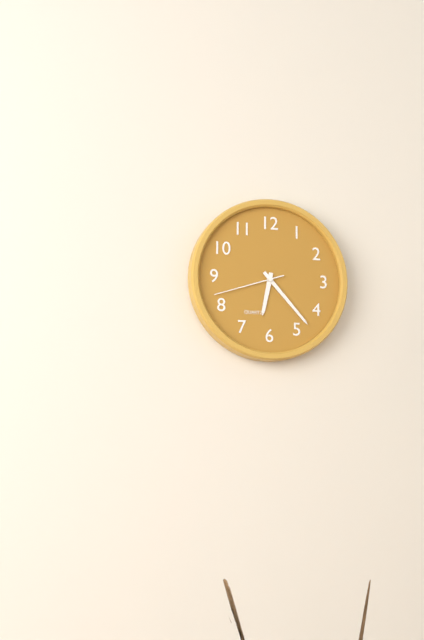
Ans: 6:23:42
